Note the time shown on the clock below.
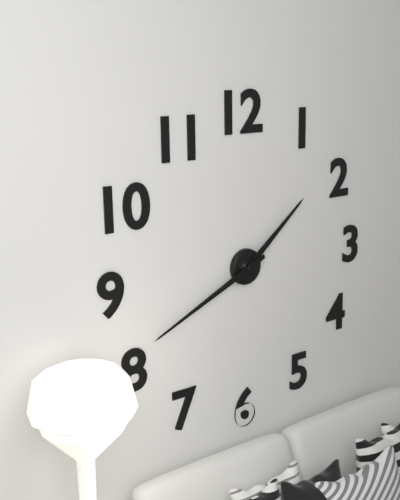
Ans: 1:41
